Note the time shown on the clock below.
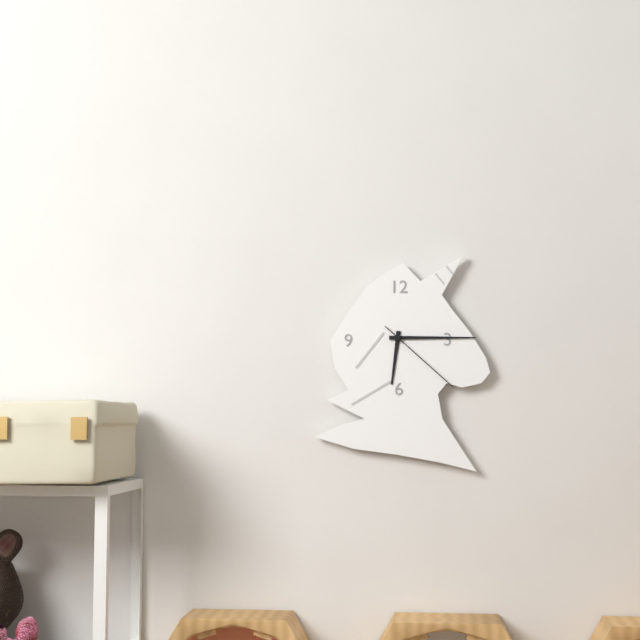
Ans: 6:15:22
